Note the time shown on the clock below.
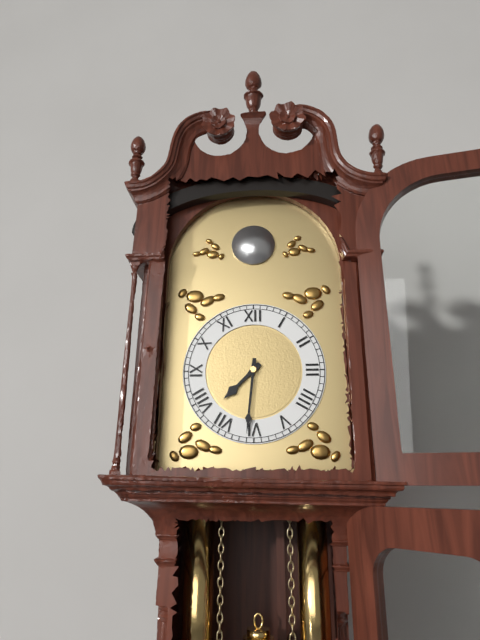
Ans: 7:31
